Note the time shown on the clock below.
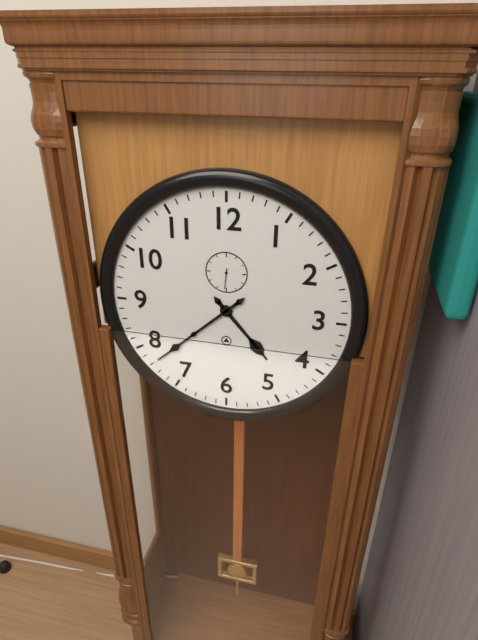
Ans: 4:38
